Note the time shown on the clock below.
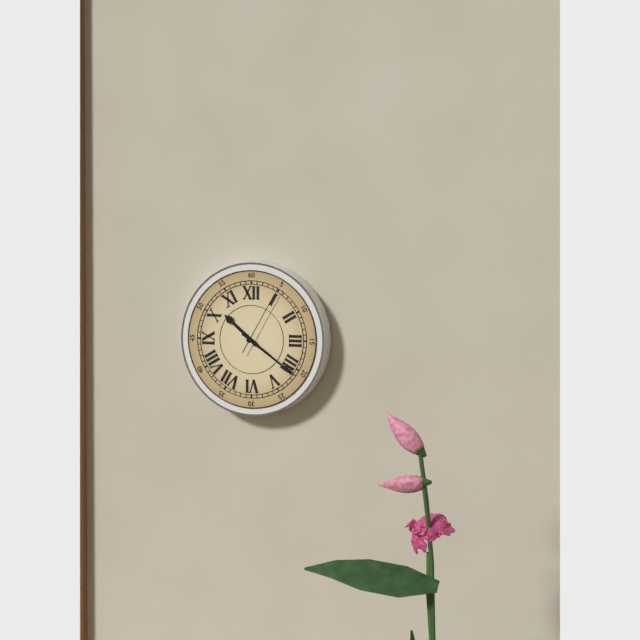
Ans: 10:21:05
